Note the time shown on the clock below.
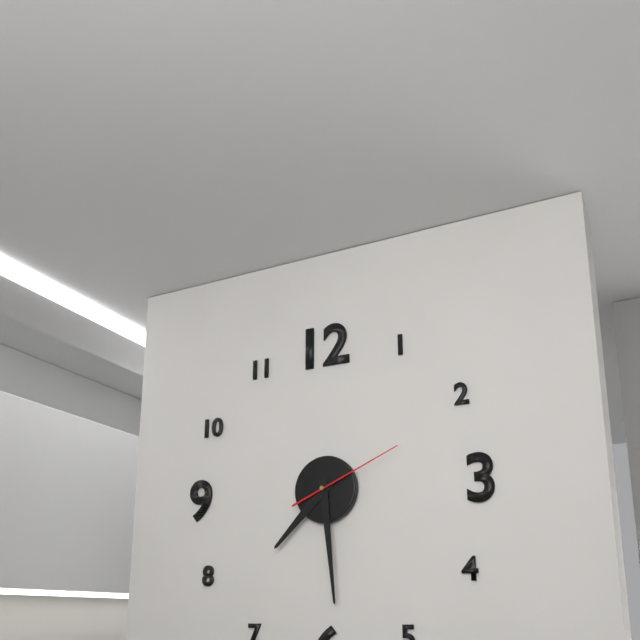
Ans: 7:29:11
